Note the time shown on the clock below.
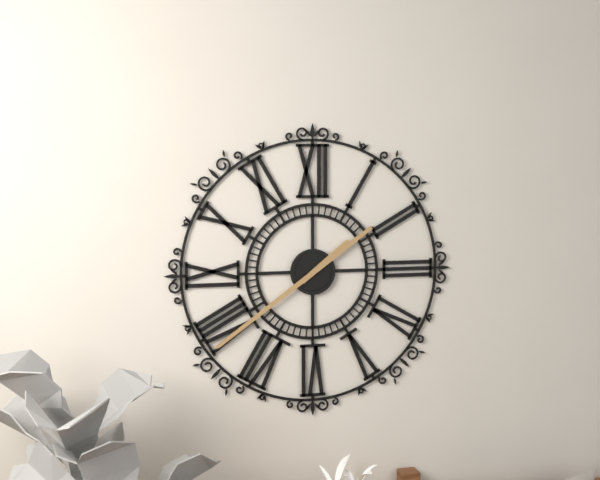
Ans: 1:39
